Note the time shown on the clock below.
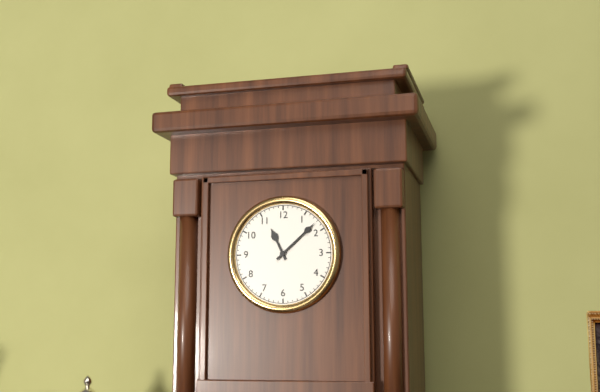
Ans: 11:08
